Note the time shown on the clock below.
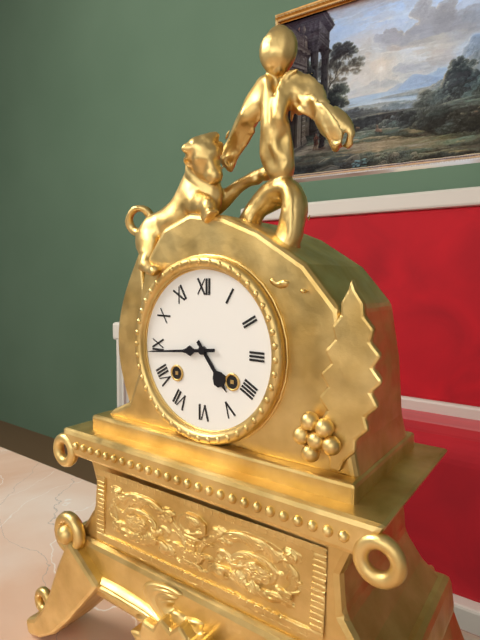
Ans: 4:44
